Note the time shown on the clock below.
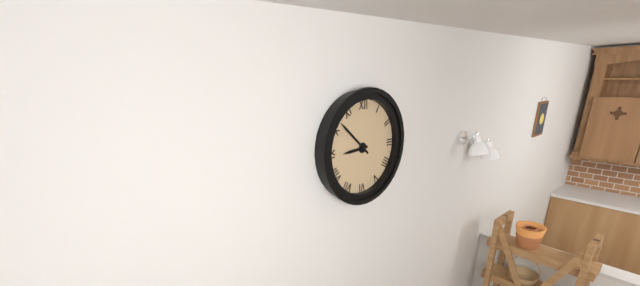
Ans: 8:52
